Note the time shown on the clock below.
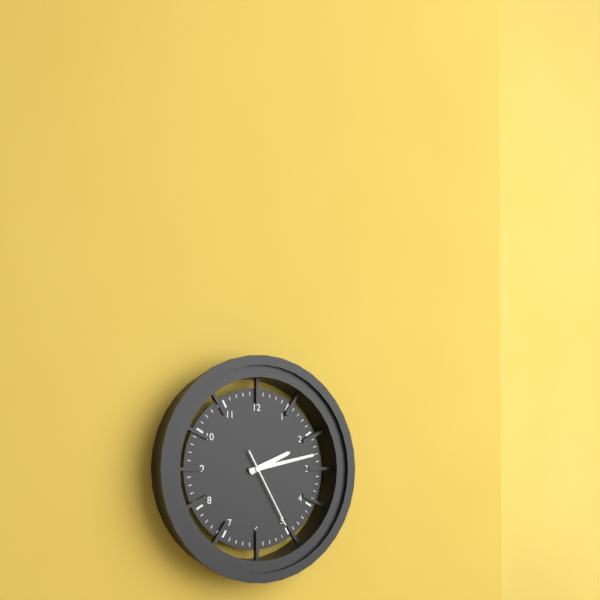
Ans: 2:13:25
